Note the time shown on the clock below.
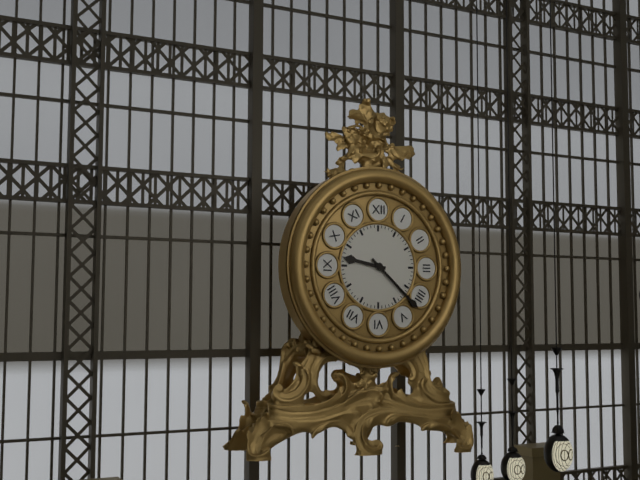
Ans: 9:22
